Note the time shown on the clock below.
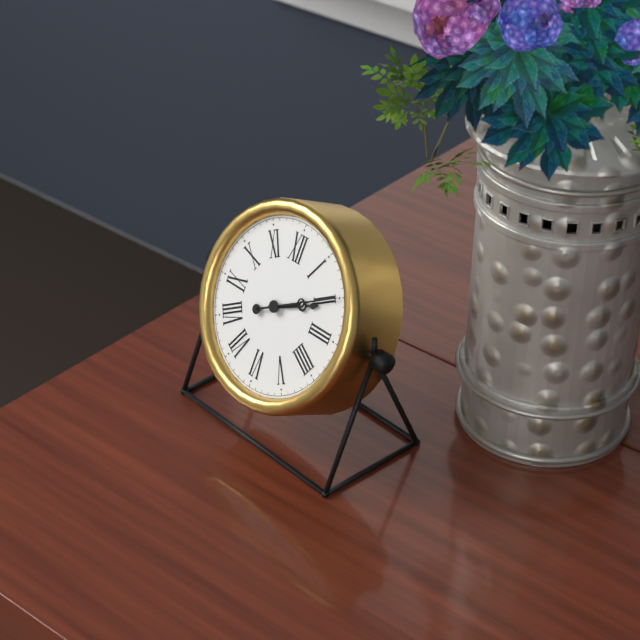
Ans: 2:10
